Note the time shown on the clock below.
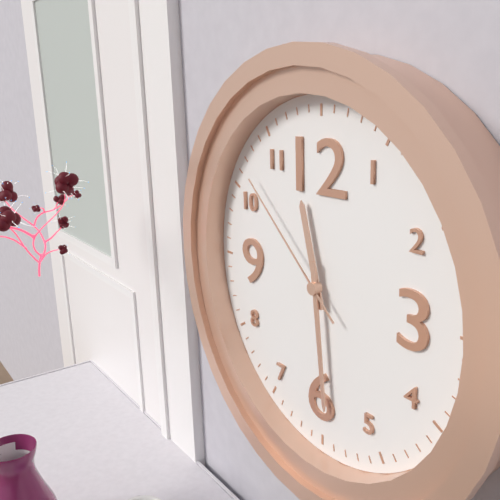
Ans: 11:29:52
